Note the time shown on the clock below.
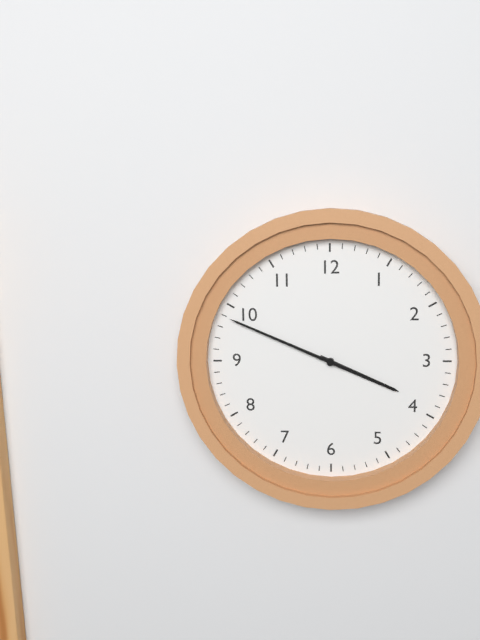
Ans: 3:49
